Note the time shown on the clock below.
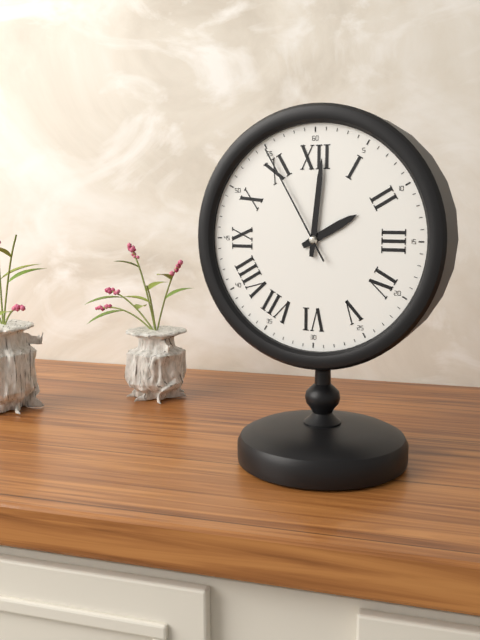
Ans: 2:01:55
